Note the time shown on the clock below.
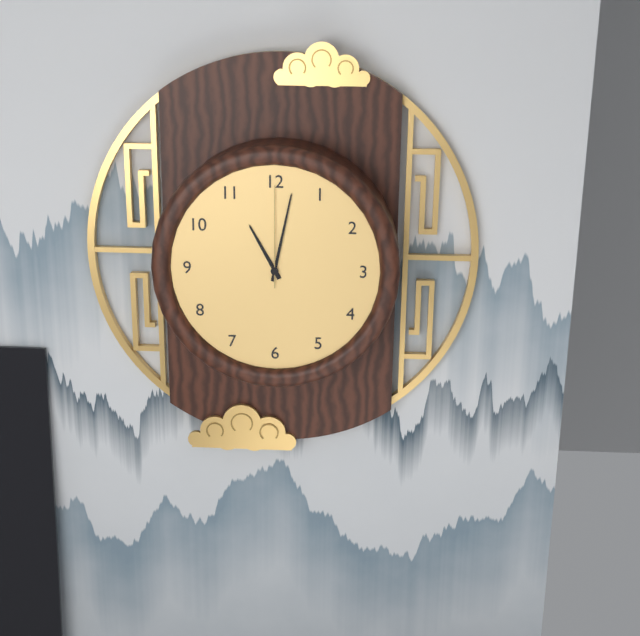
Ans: 11:02:00
